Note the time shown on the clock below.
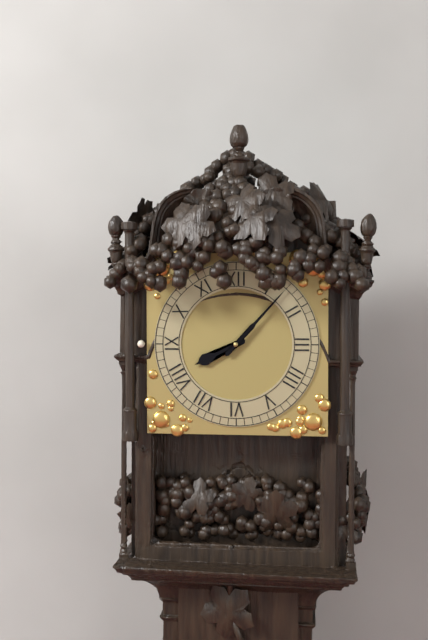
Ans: 8:07
